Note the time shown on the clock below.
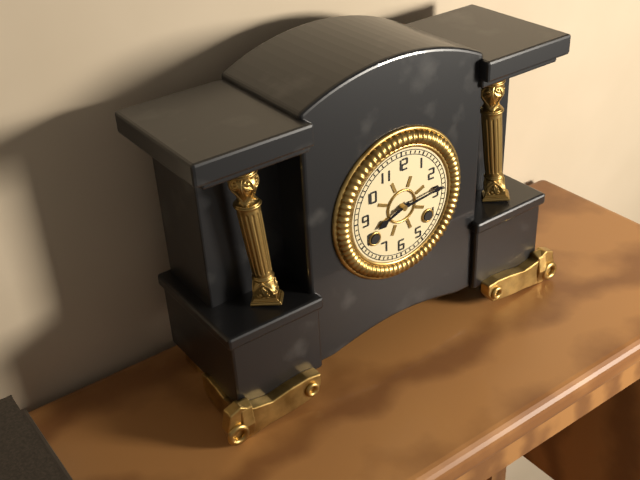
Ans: 8:14
